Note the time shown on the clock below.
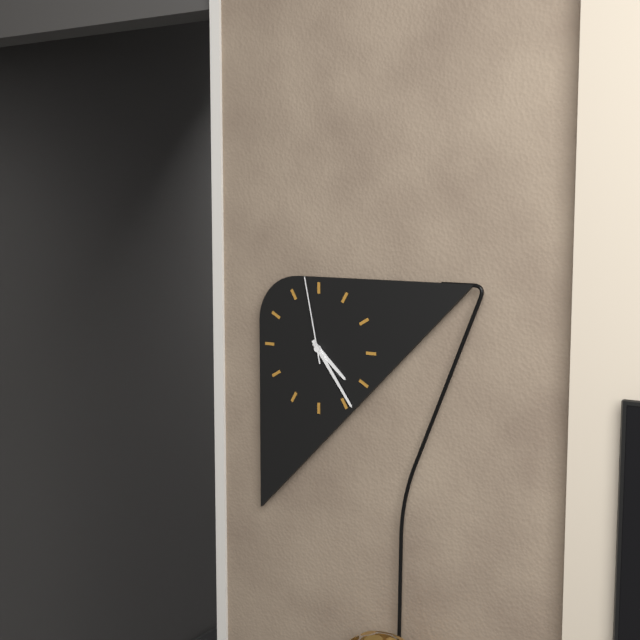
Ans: 4:24:58
